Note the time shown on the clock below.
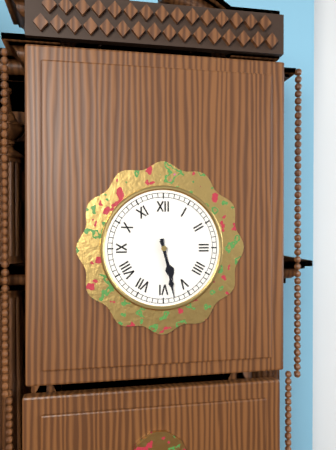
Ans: 5:28
